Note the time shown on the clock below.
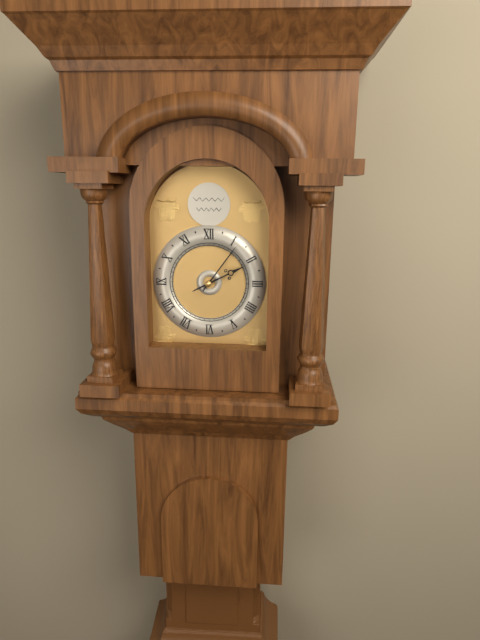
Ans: 2:06
